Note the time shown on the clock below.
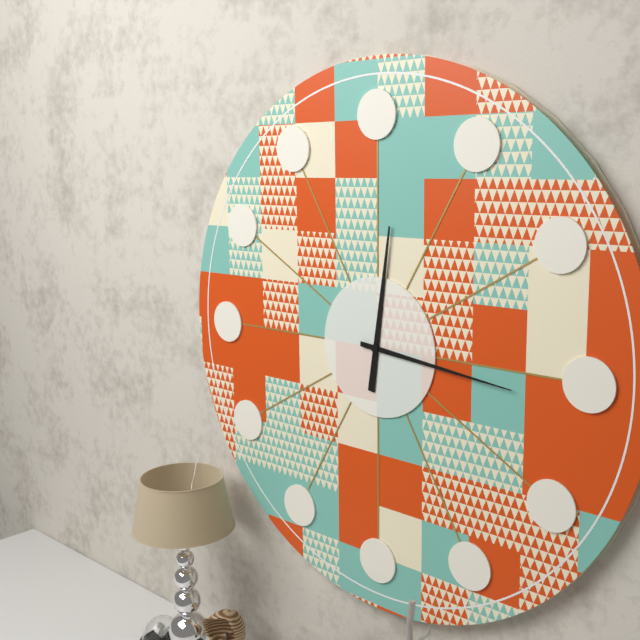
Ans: 12:16
